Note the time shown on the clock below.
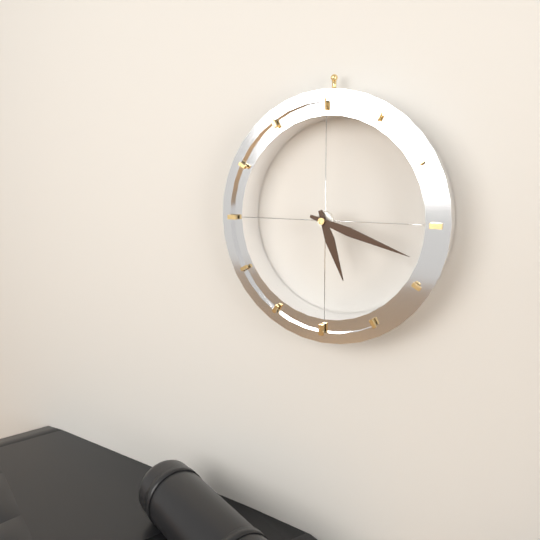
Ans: 5:18
